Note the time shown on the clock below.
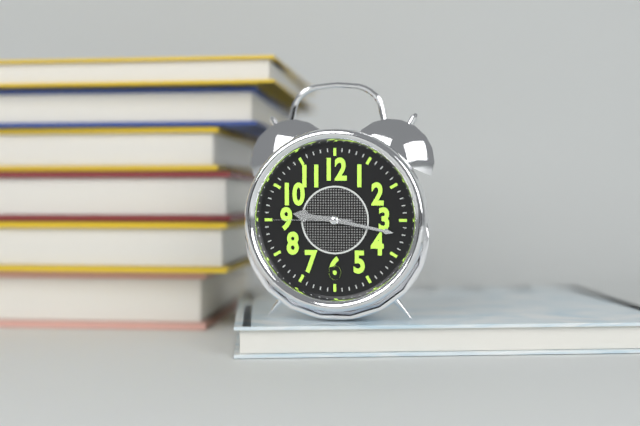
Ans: 9:17:45
